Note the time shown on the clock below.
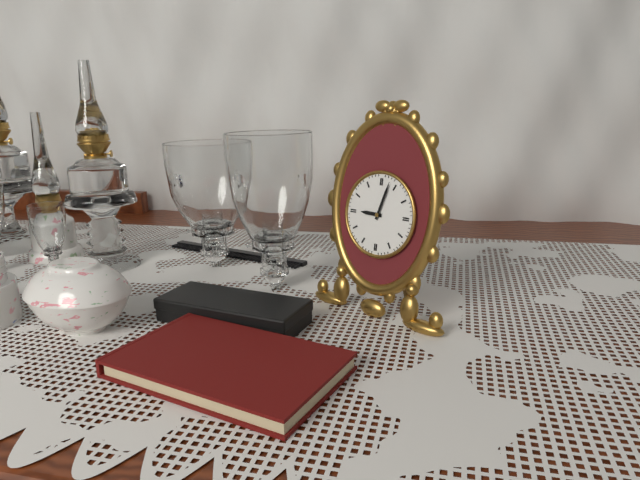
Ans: 9:03
